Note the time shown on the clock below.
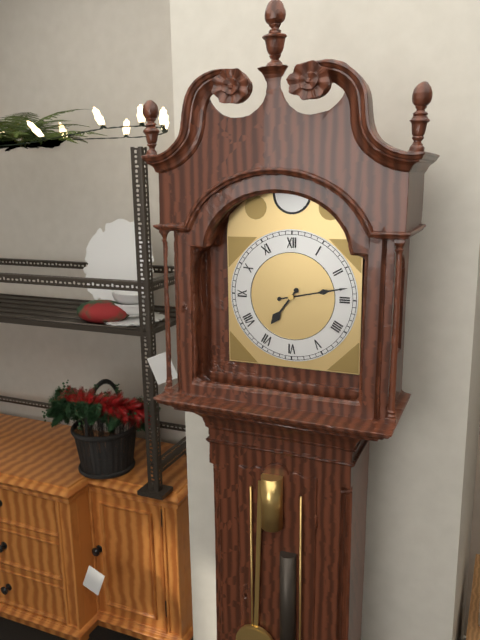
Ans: 7:13
